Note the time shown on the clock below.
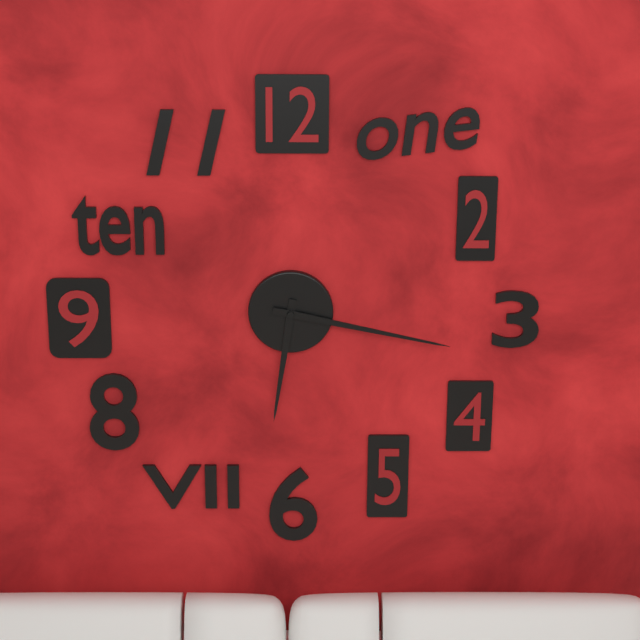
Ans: 6:17
